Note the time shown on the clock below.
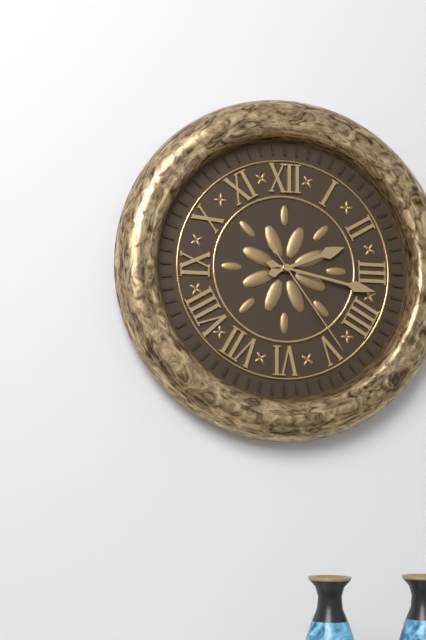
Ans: 2:17:24
